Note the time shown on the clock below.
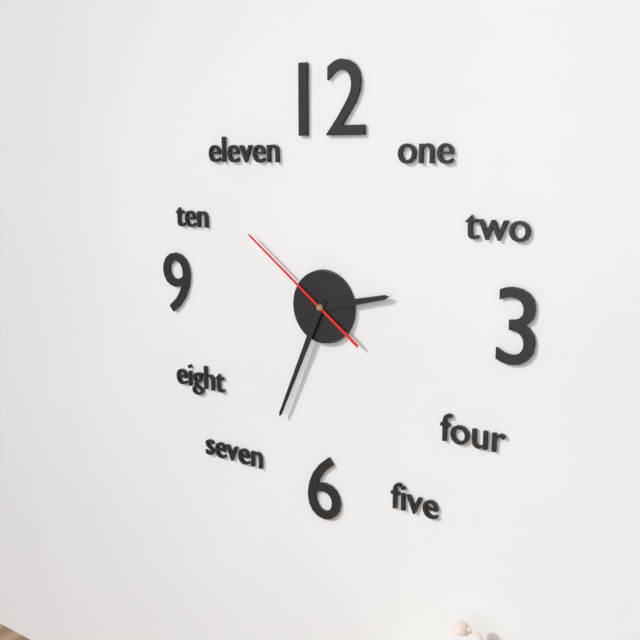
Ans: 2:34:51
